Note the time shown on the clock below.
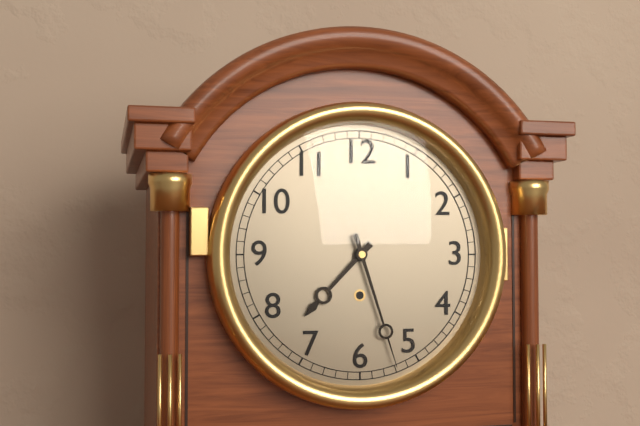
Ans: 7:27
